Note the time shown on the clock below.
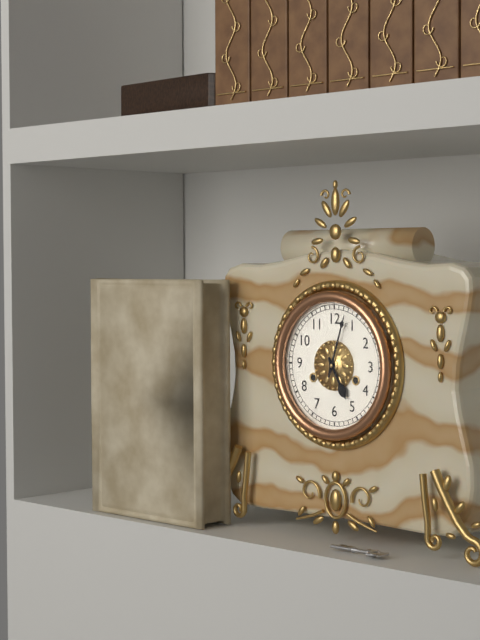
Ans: 5:03
